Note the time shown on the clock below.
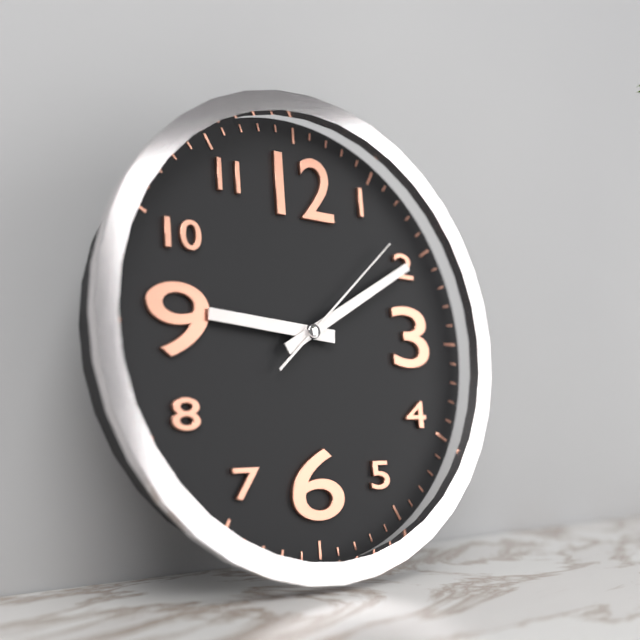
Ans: 9:10:08
